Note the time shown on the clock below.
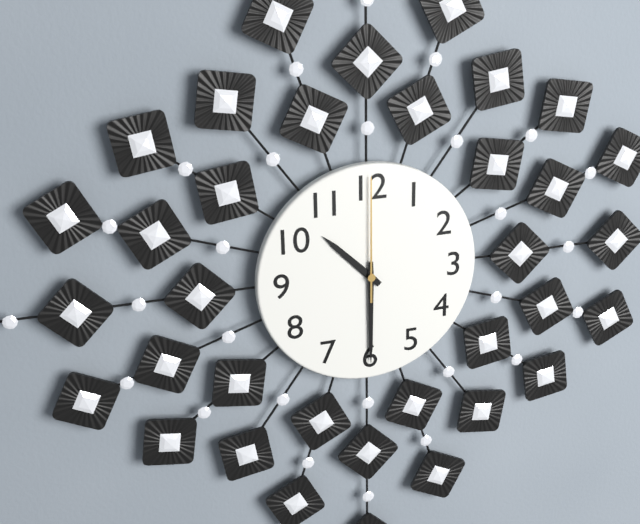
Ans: 10:30:00
